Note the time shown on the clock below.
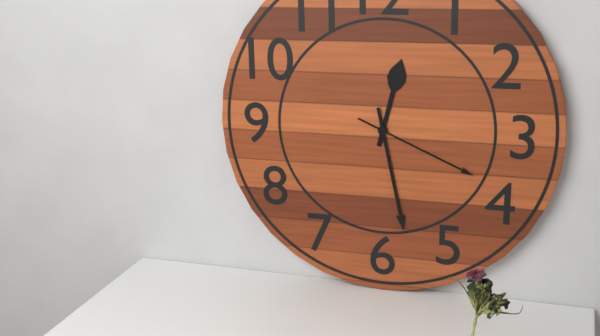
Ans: 12:28:19
